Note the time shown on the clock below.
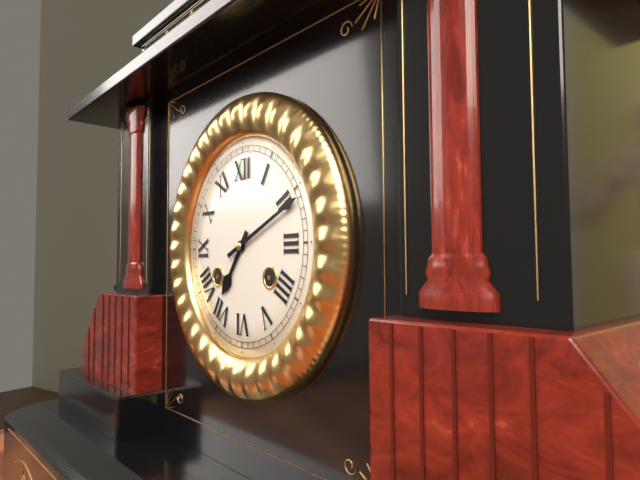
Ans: 7:11
